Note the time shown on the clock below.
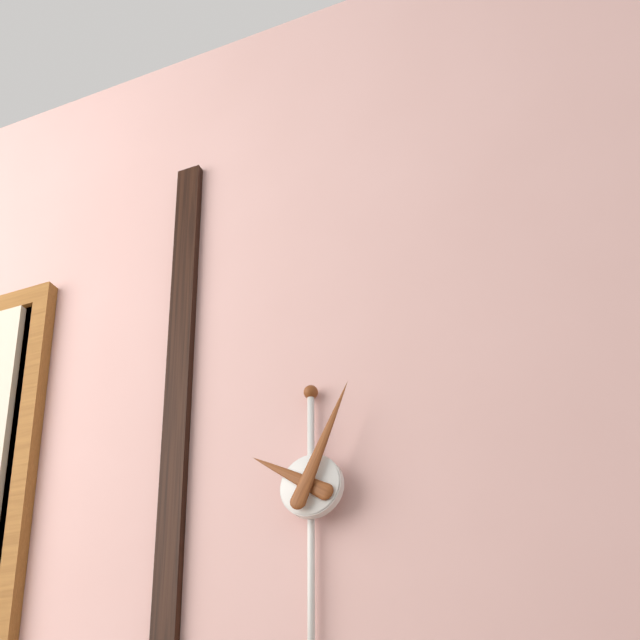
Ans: 10:04
